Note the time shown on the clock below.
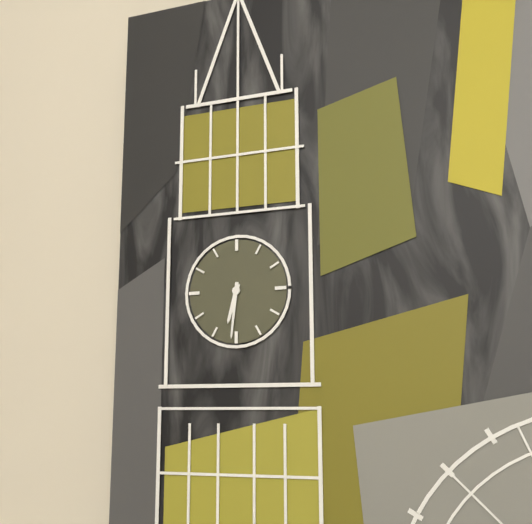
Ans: 6:31
